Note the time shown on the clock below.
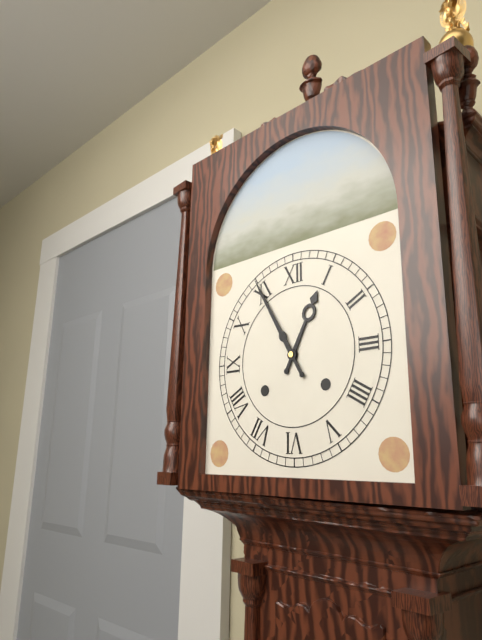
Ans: 12:55
